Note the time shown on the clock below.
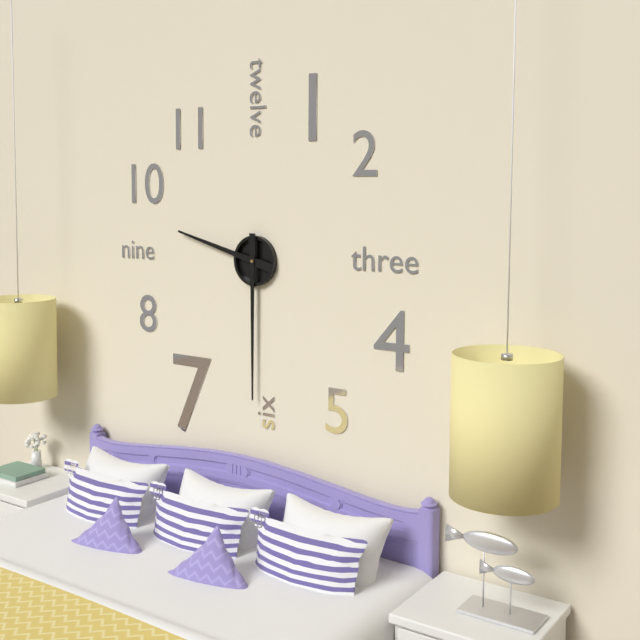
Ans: 9:30
